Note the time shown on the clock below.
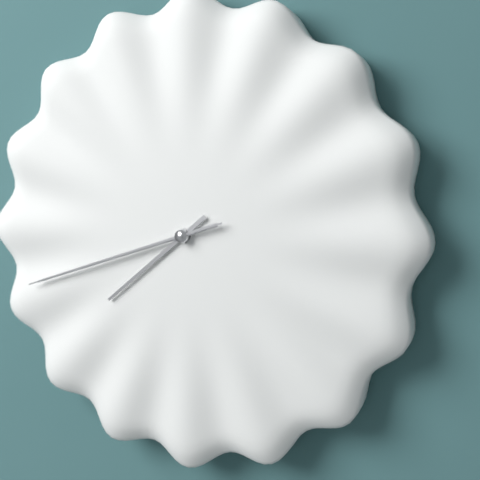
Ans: 7:42:42
